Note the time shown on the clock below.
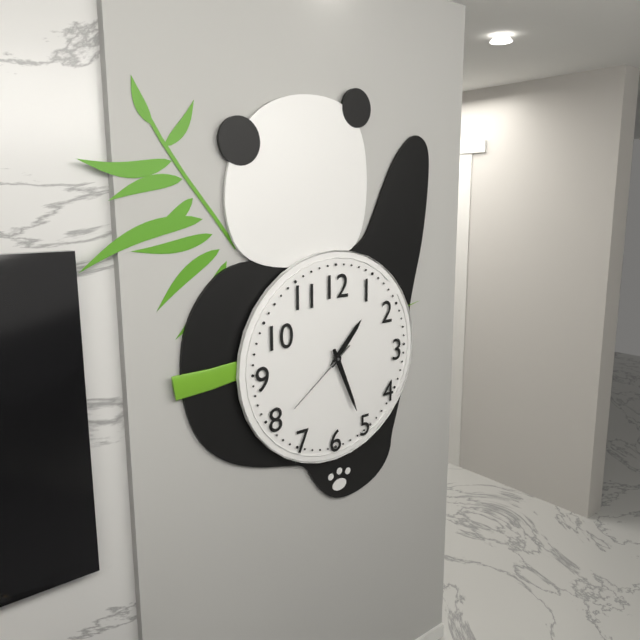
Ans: 1:26:39
